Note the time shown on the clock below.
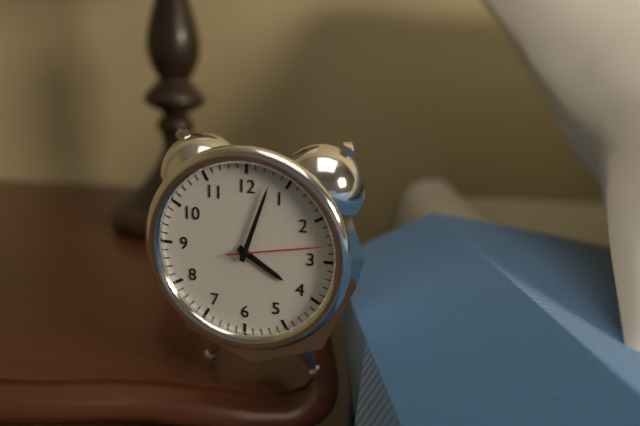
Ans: 4:03:13
